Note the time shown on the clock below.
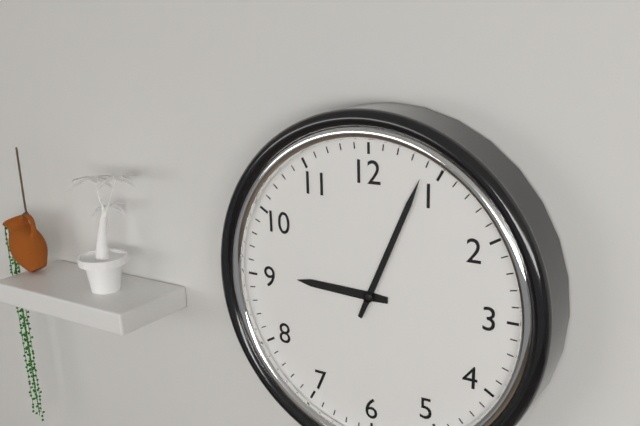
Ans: 9:04
